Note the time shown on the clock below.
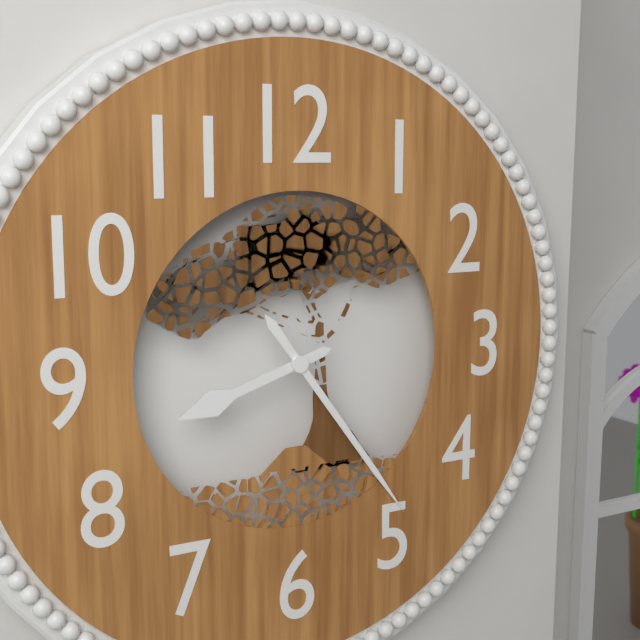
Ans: 8:24
